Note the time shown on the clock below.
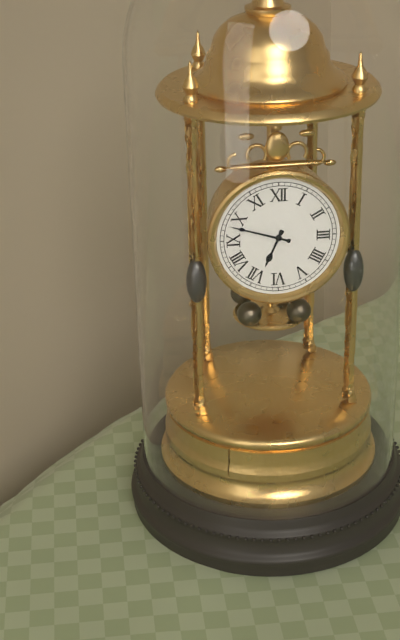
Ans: 6:48
